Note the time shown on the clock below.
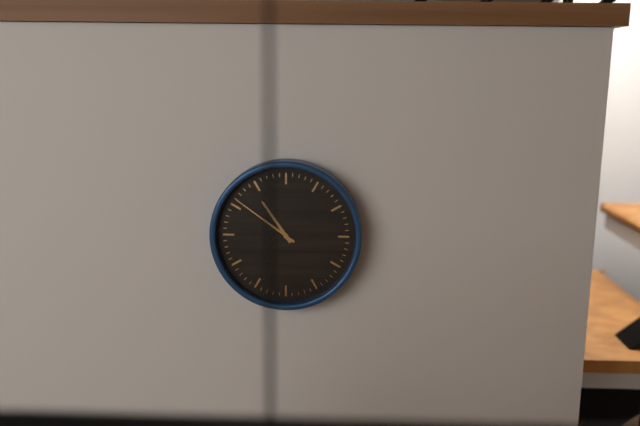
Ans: 10:51
